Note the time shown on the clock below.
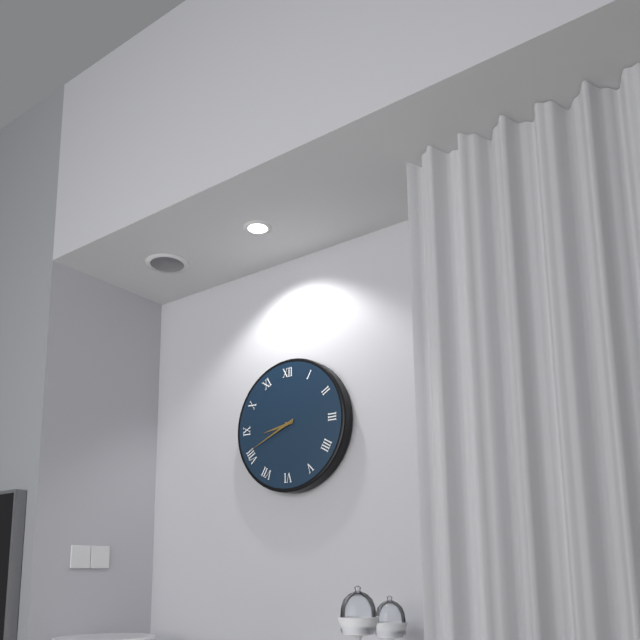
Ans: 8:41
